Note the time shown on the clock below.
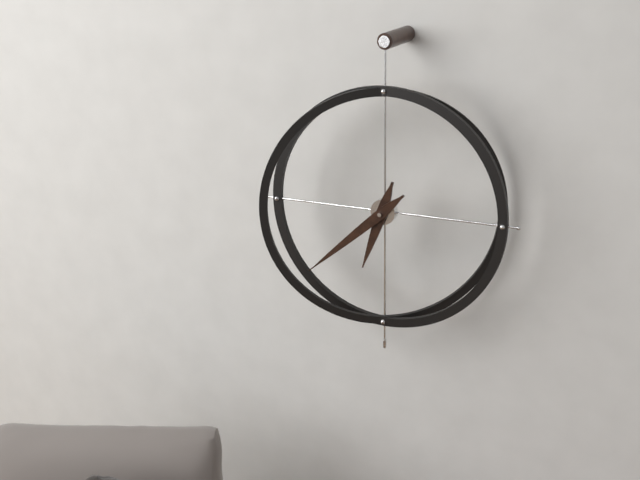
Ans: 6:38
